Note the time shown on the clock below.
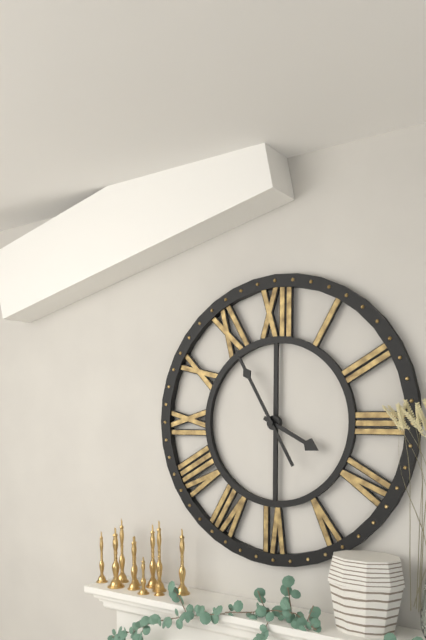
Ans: 3:55
